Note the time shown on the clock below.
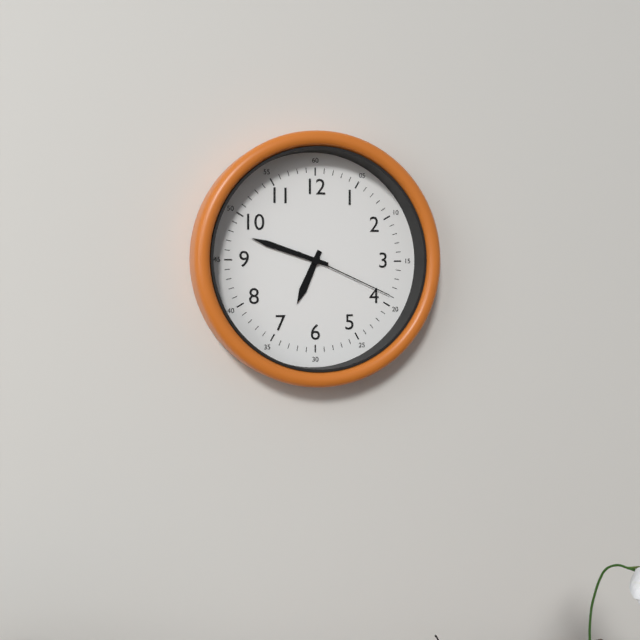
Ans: 6:48:19
